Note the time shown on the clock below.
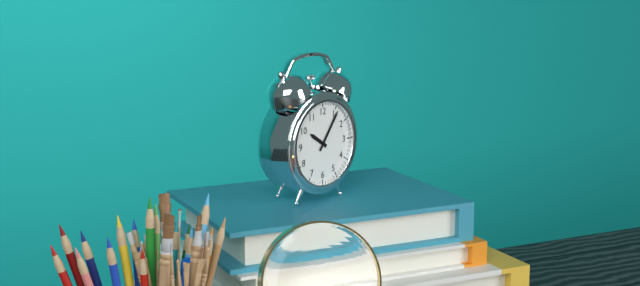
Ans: 10:06
